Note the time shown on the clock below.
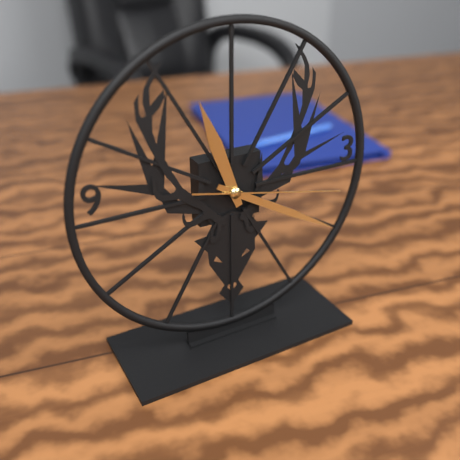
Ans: 11:20:17
